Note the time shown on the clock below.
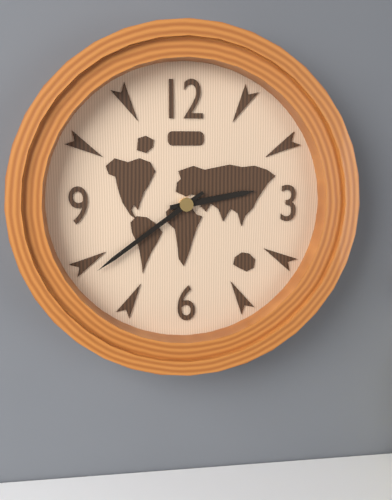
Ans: 2:39
